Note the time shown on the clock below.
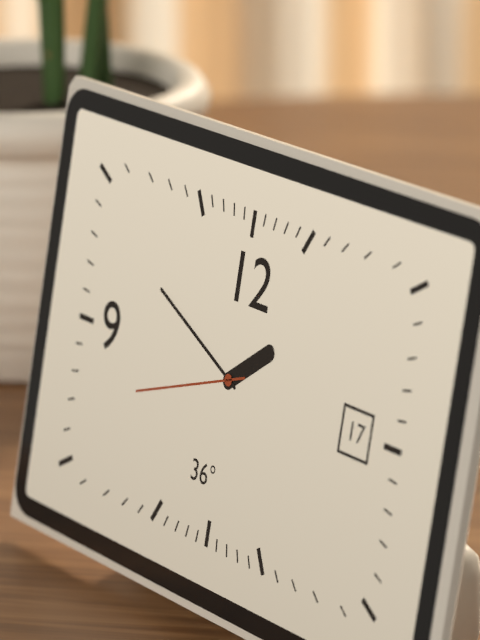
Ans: 1:49:42
